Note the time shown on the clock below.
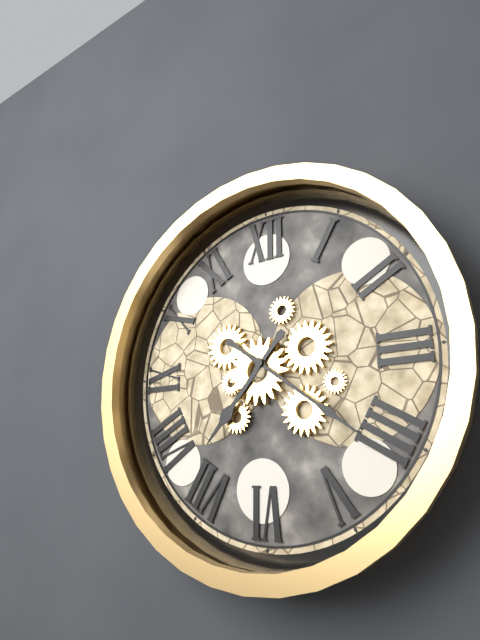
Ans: 7:21
